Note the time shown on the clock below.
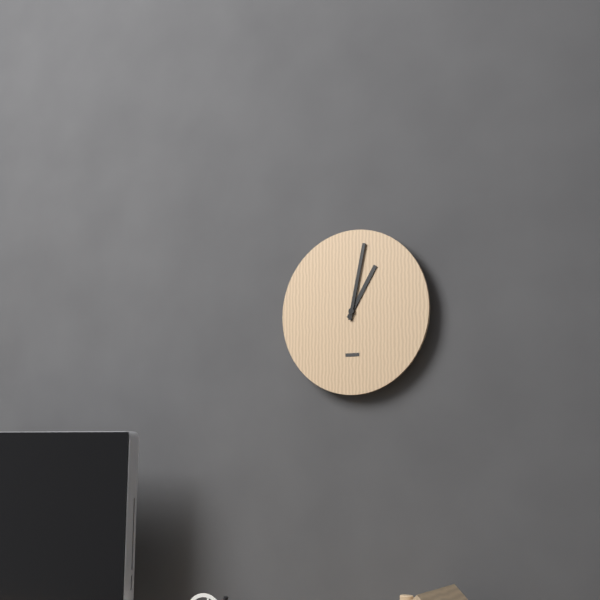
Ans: 1:02
